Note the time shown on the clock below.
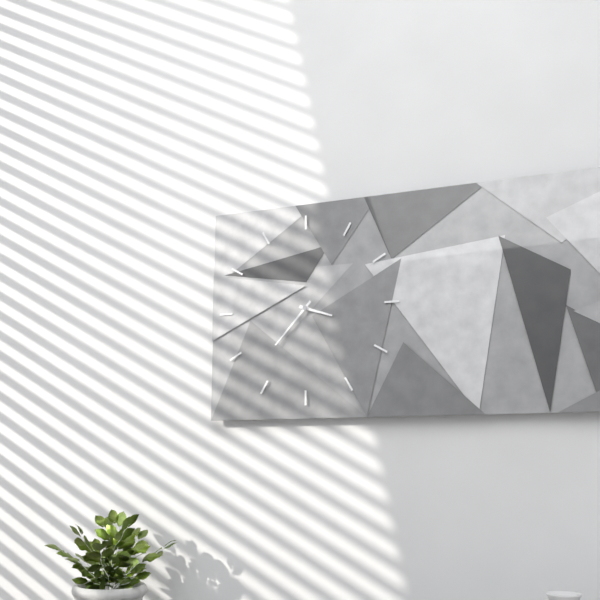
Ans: 3:37
